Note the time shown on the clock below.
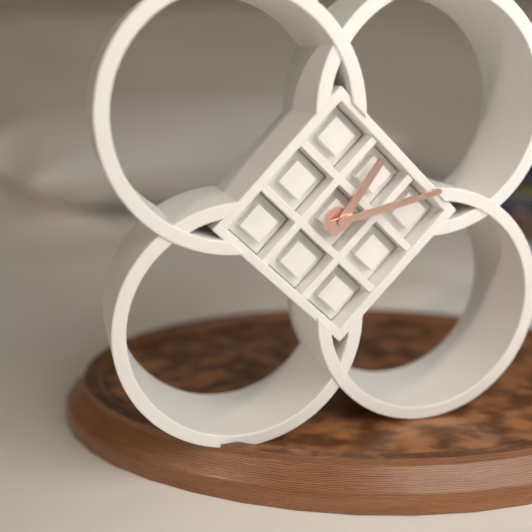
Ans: 1:13
